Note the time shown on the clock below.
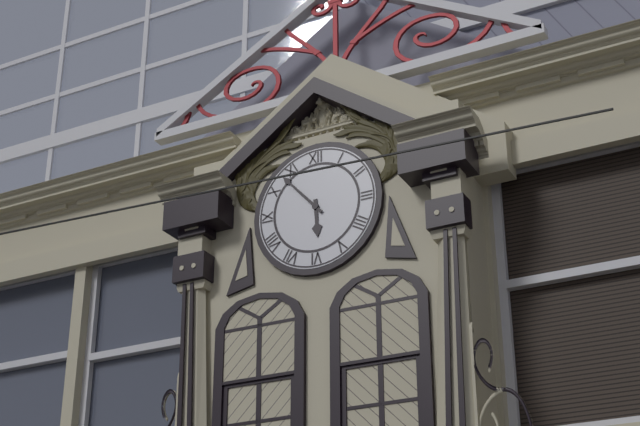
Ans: 5:53
